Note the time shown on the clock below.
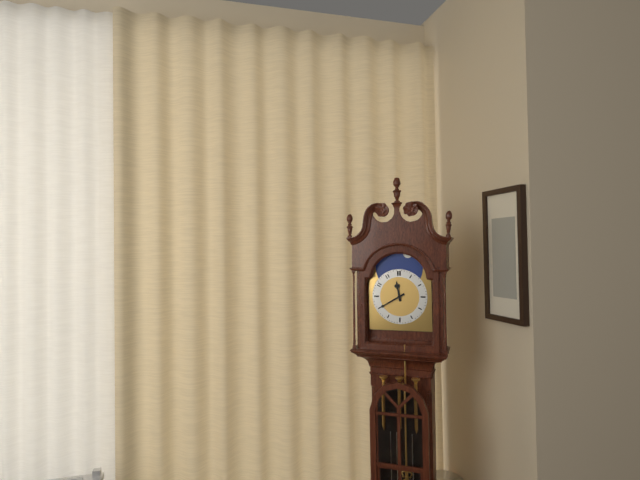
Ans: 11:40
